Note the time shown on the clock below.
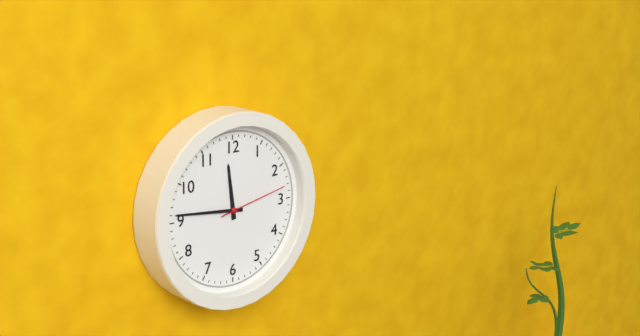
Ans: 11:46:13
